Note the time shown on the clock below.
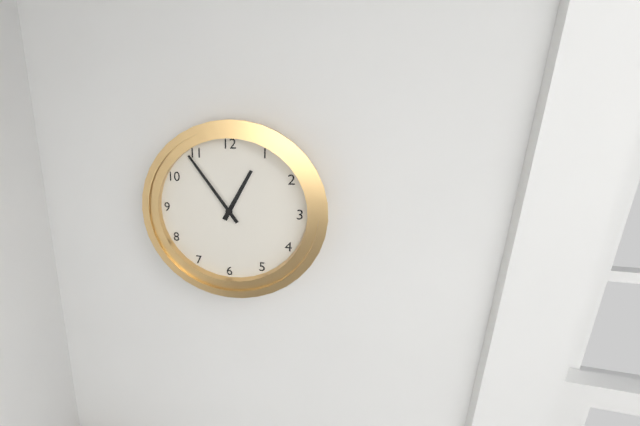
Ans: 12:54
